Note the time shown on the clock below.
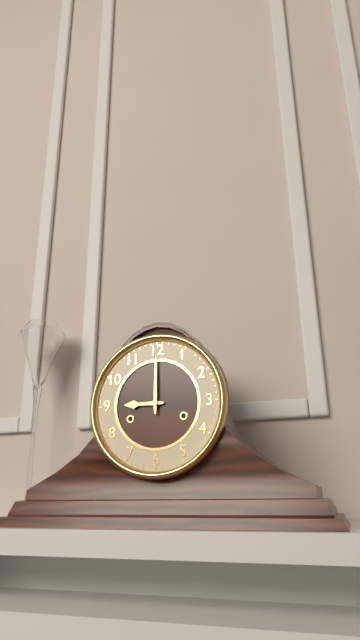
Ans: 9:00
